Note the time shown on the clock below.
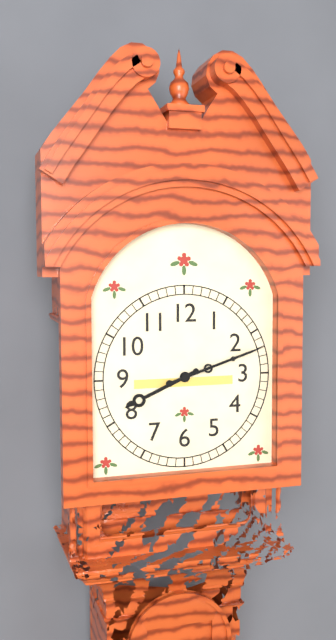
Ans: 8:12
